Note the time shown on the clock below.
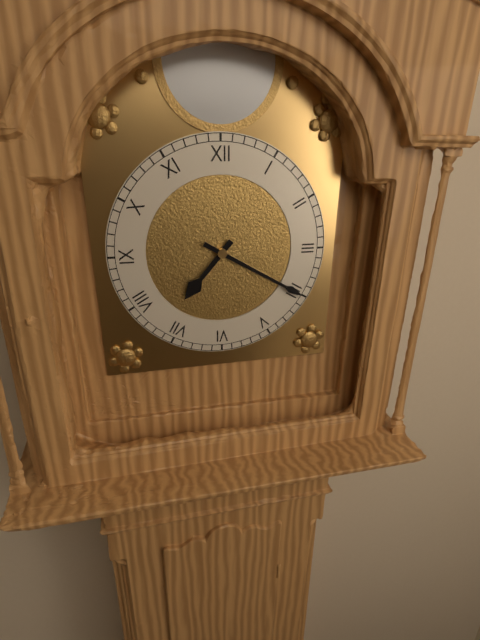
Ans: 7:20
